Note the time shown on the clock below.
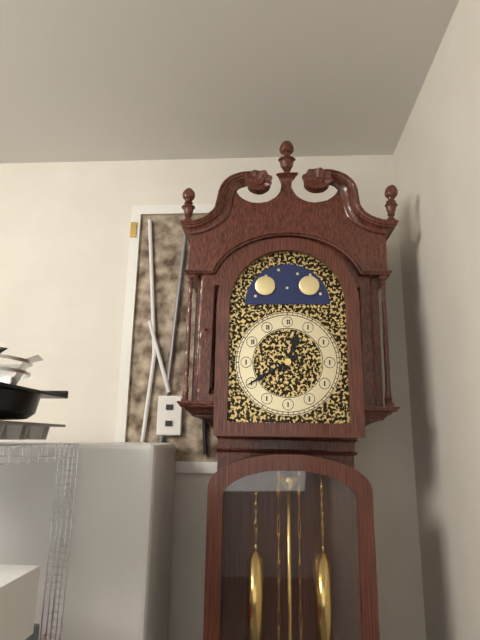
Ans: 12:40
